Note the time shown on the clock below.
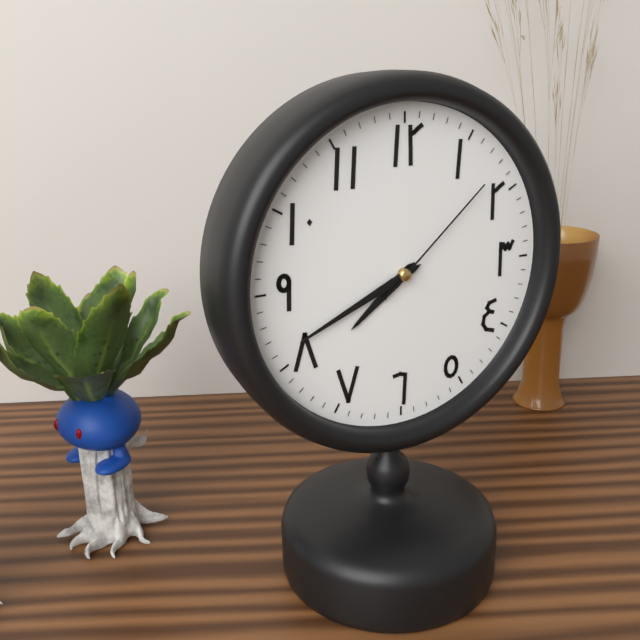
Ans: 7:41:08
